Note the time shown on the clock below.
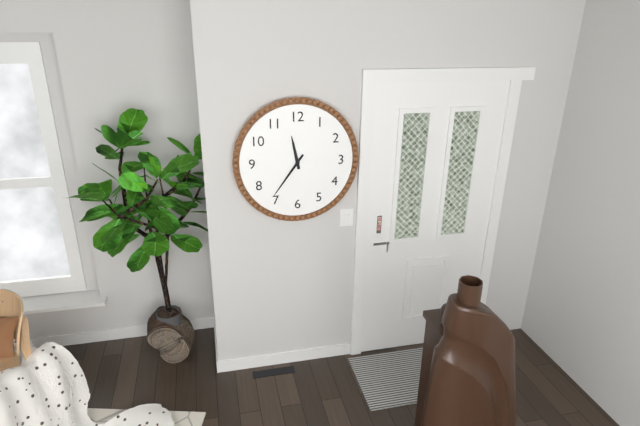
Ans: 11:36
